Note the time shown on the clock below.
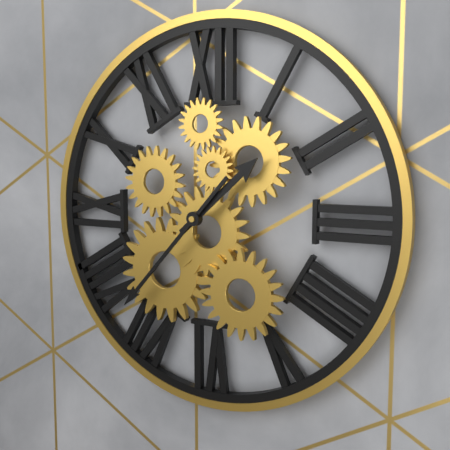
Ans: 1:37
